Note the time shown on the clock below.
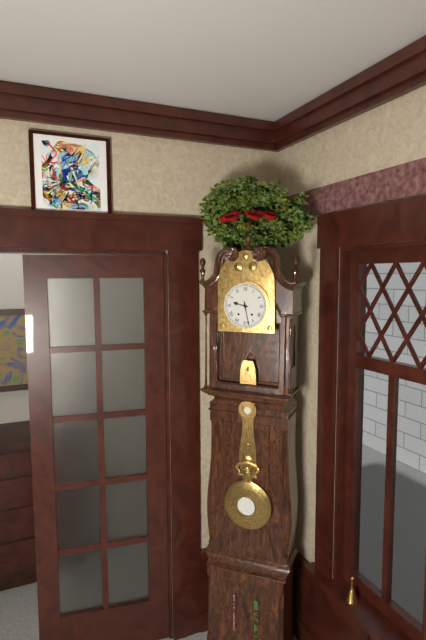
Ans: 9:28
